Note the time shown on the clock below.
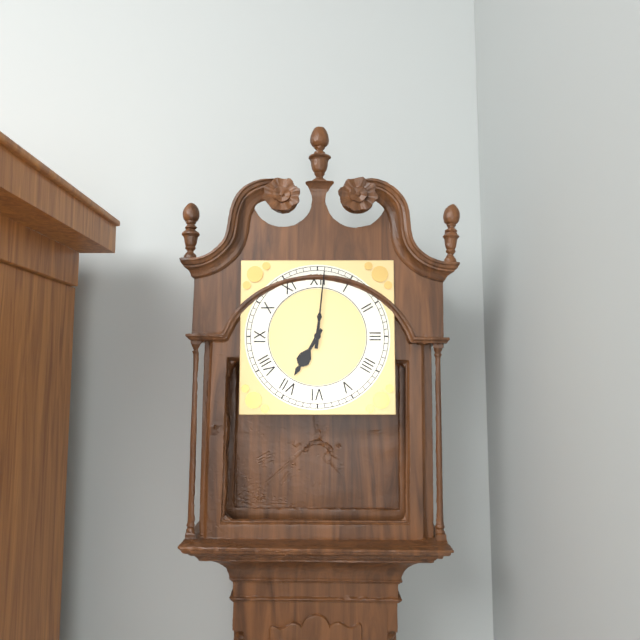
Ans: 7:01
